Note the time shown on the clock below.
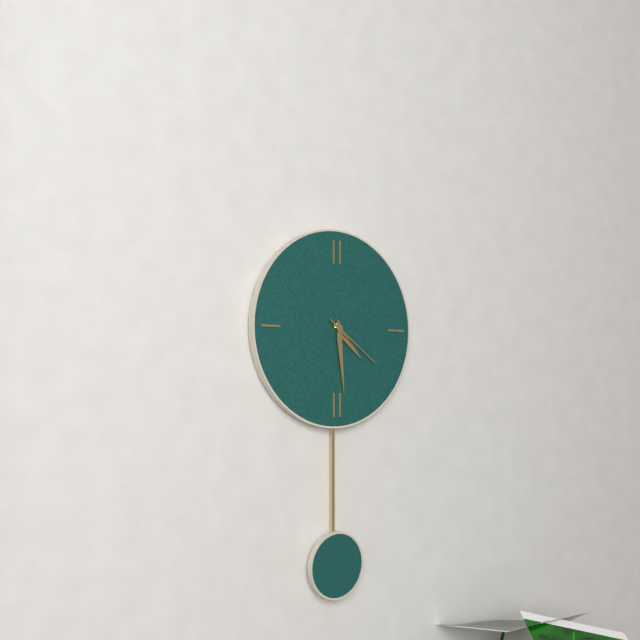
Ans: 4:29:21
